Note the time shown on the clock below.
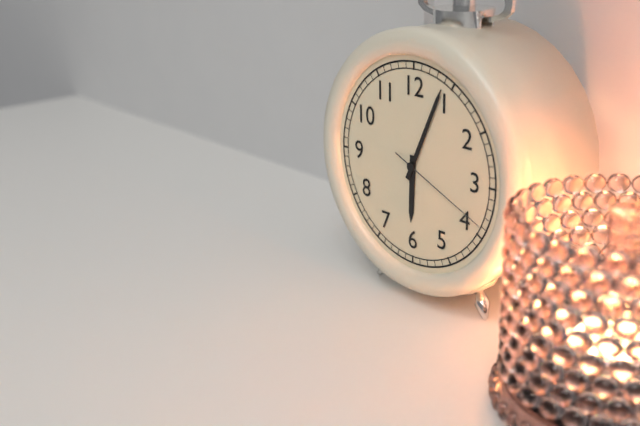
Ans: 6:04:19
